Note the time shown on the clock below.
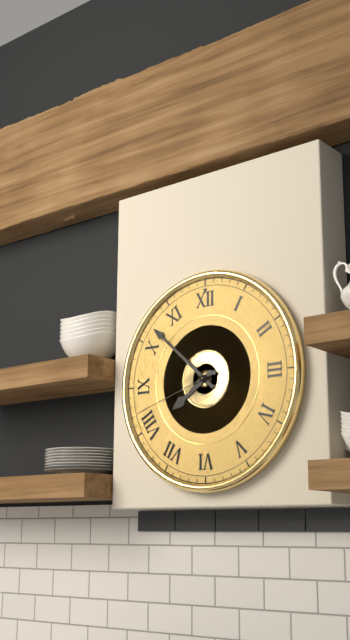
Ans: 7:52:42
